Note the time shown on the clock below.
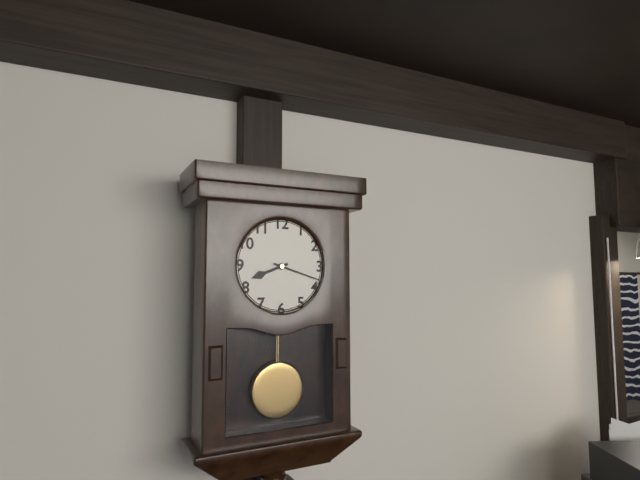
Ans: 8:18
